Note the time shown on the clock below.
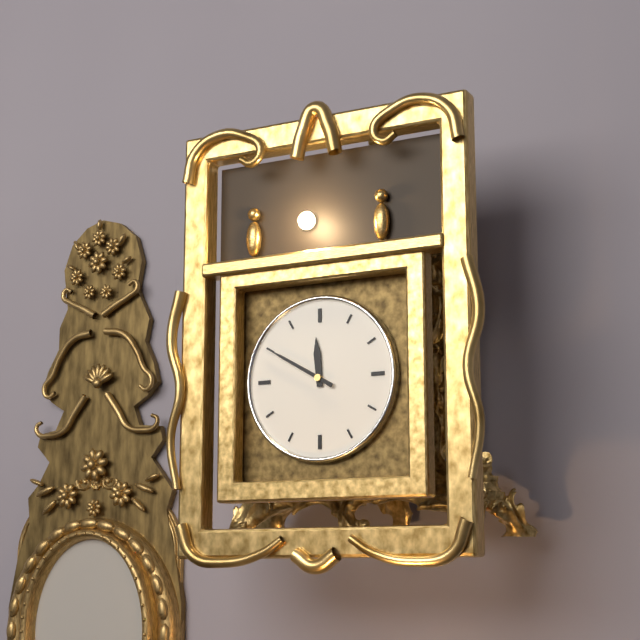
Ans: 11:50
